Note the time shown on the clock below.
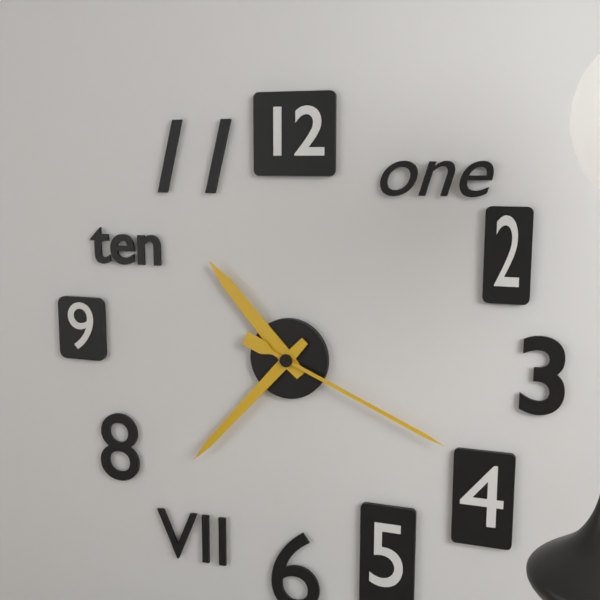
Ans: 10:37:19
